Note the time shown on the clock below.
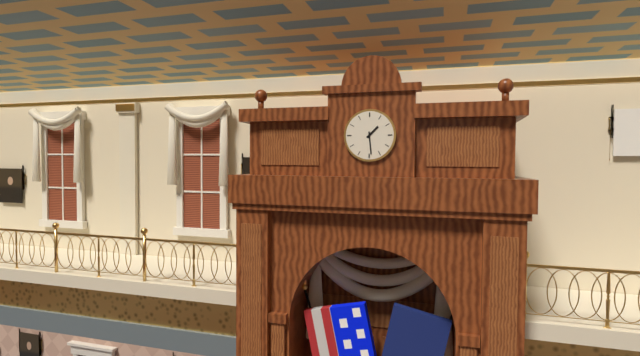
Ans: 1:29
